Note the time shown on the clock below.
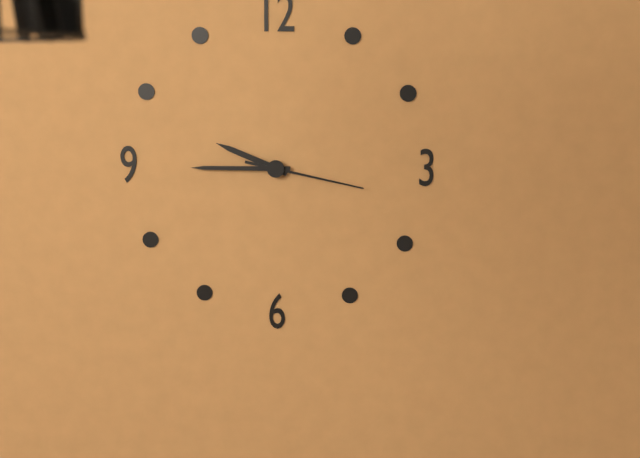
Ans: 9:45:17
